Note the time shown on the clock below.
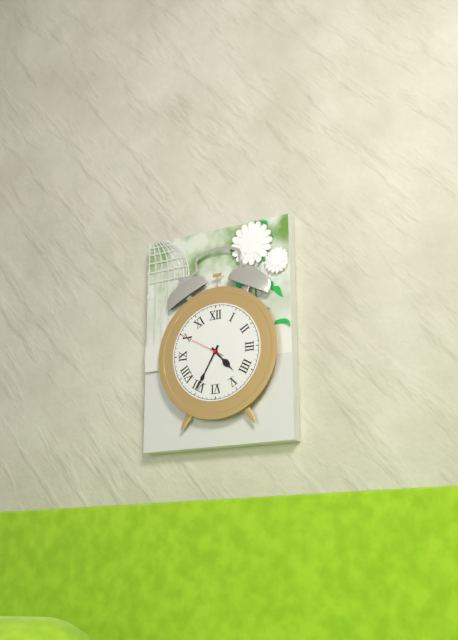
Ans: 4:35
